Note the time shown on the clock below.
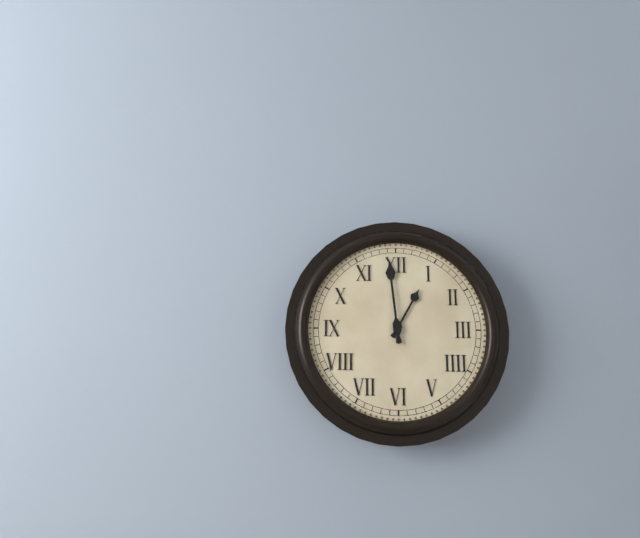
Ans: 12:59
